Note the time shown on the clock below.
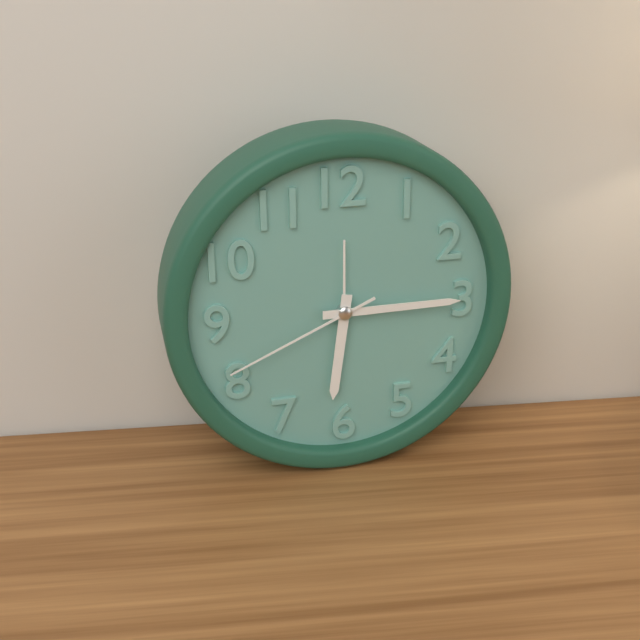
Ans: 6:15:41
